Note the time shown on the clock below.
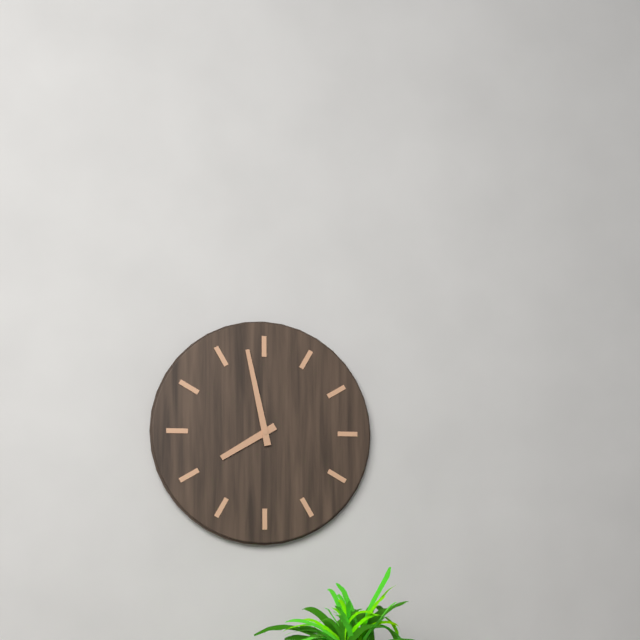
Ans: 7:58
